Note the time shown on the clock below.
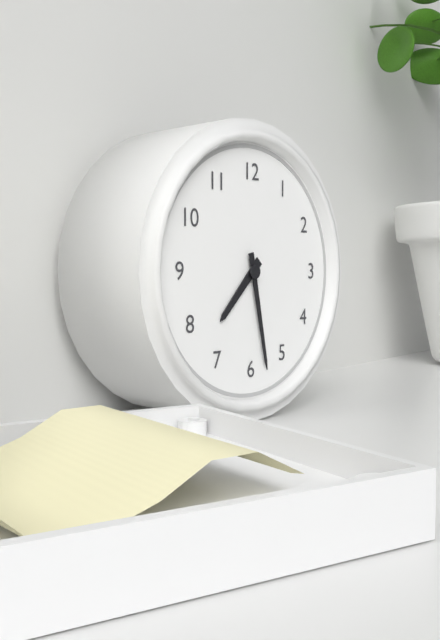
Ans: 7:28
